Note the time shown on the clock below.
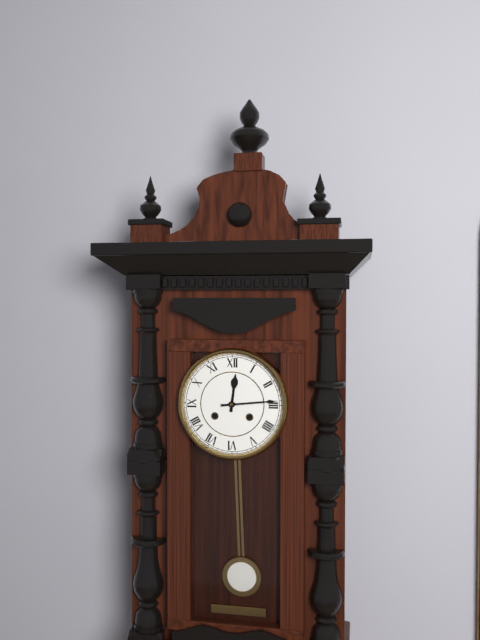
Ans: 12:14
